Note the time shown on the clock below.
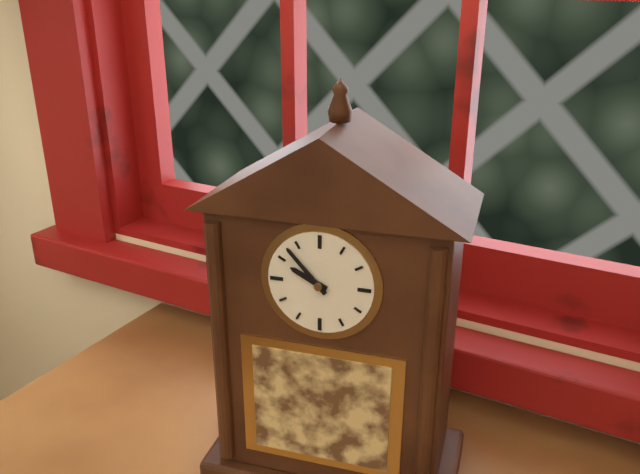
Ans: 9:53
